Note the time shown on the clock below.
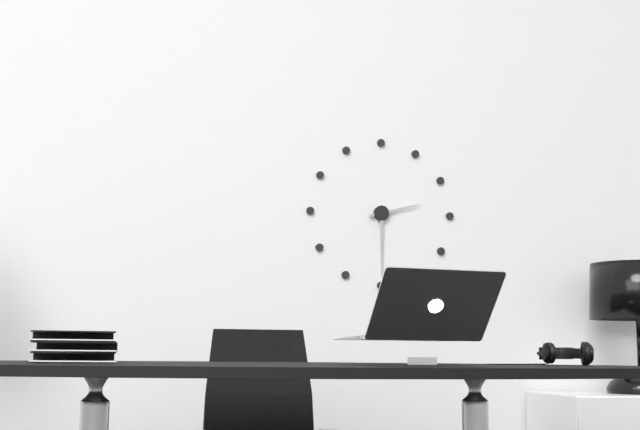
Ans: 2:30
